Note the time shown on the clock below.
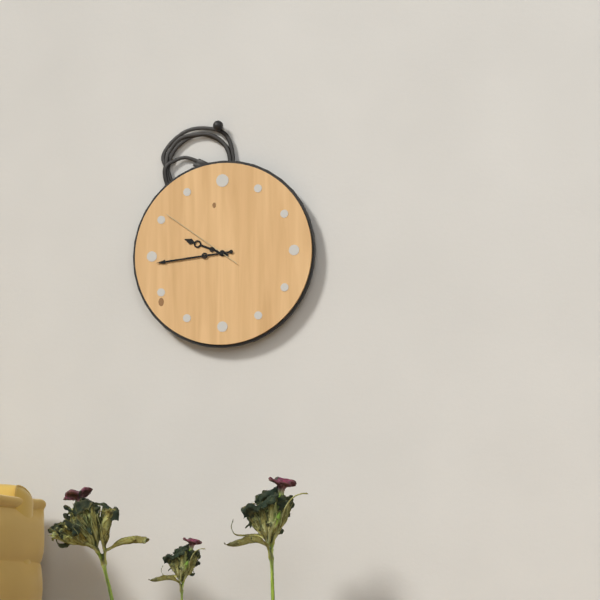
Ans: 9:44:51
